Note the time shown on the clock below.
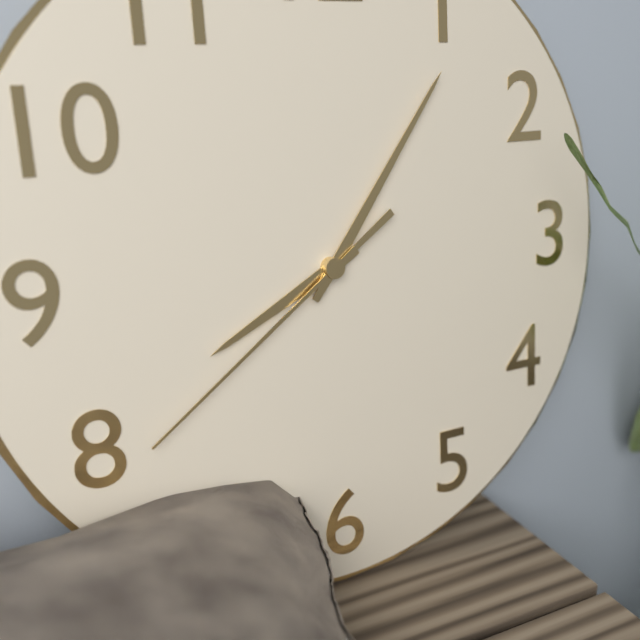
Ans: 8:06:39
